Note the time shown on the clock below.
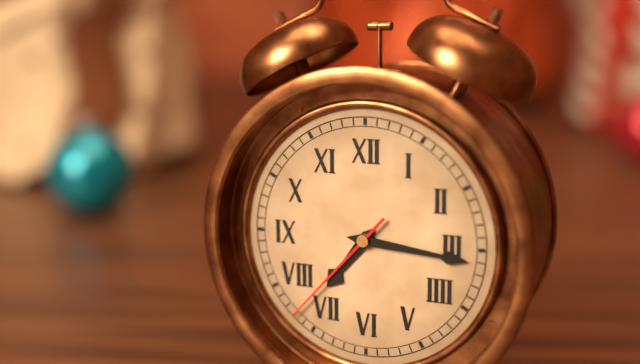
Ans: 7:16:37
